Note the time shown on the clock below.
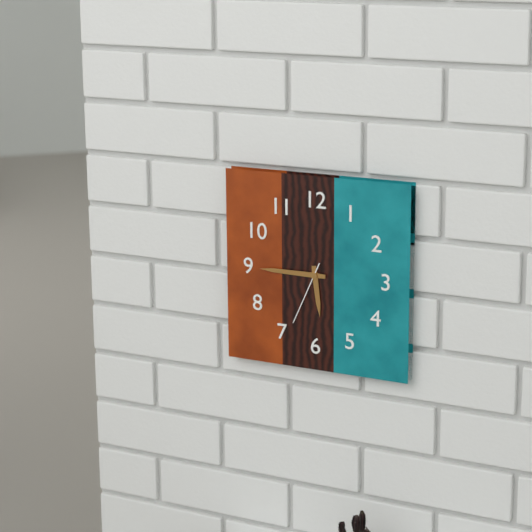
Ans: 5:45:34
